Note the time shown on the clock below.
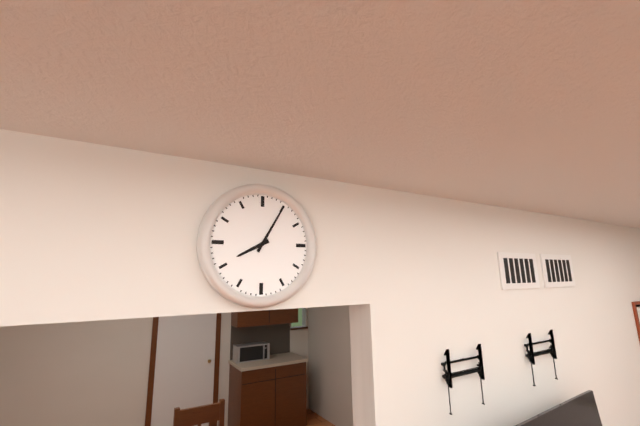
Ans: 8:05
